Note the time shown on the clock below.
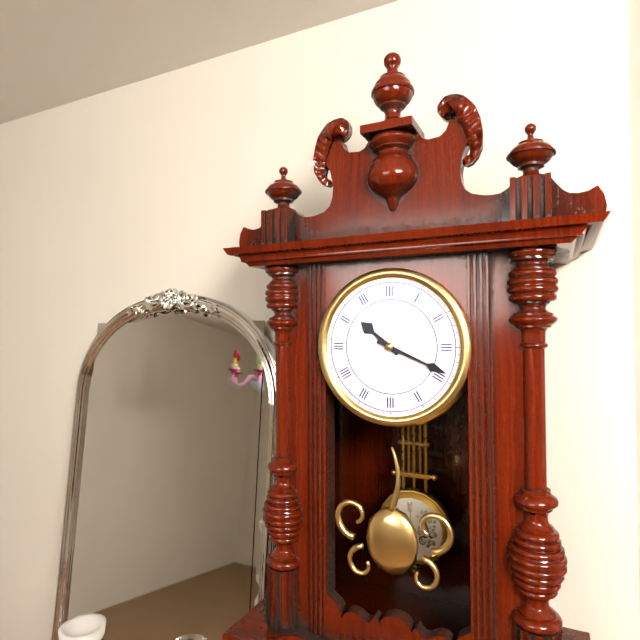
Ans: 10:19
